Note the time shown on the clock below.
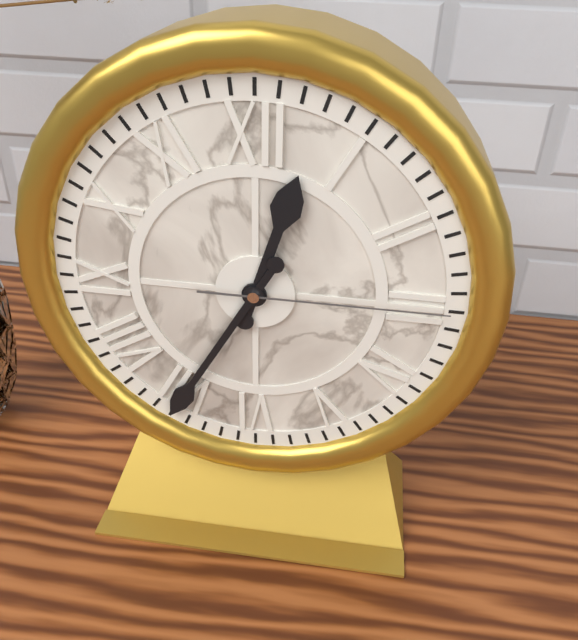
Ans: 12:35:15
